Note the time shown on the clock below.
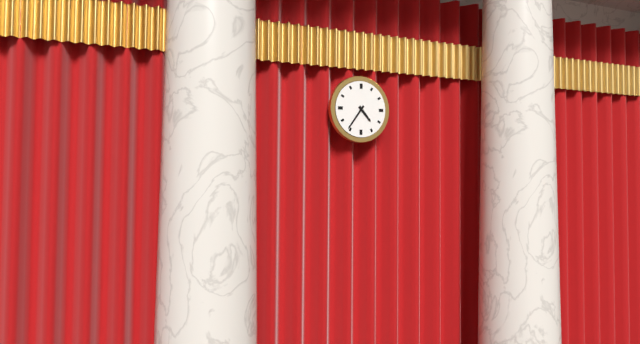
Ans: 4:36
